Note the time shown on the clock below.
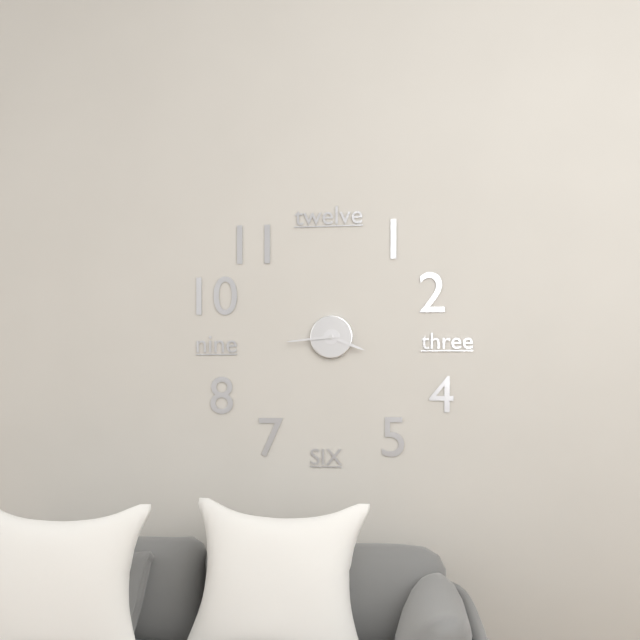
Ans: 3:44
